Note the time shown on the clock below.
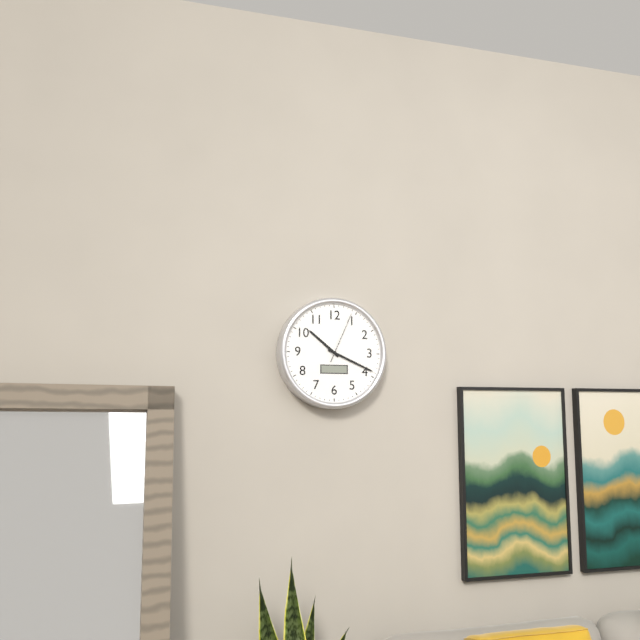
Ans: 10:19:04
